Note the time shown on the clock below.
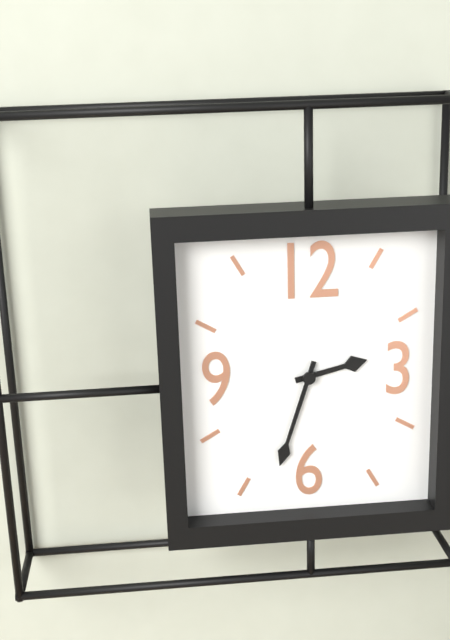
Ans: 2:33
